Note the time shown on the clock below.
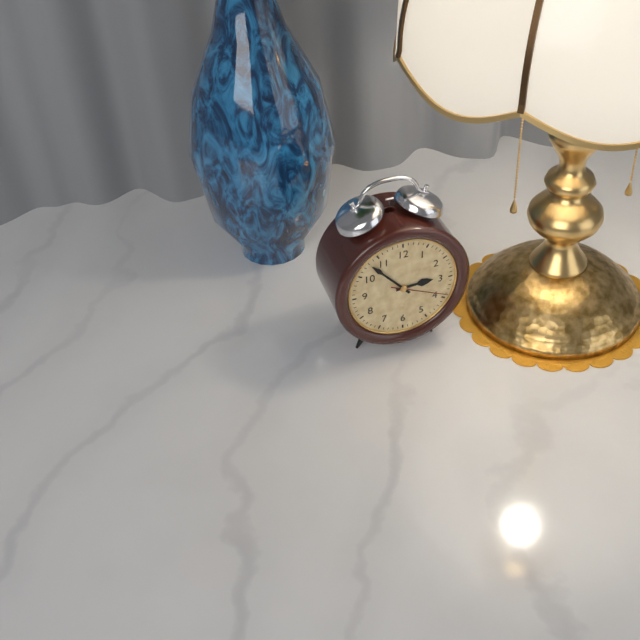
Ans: 2:53:19
